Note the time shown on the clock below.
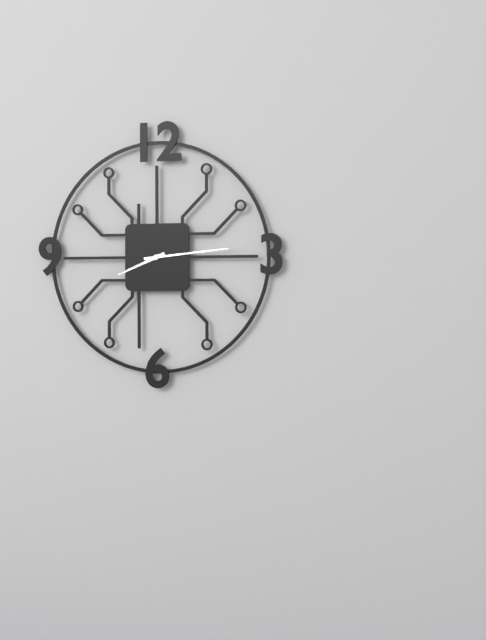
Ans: 8:14
